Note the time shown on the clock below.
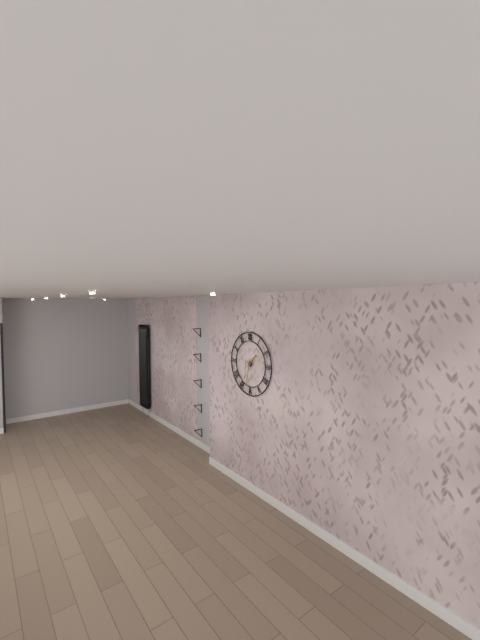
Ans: 1:32
